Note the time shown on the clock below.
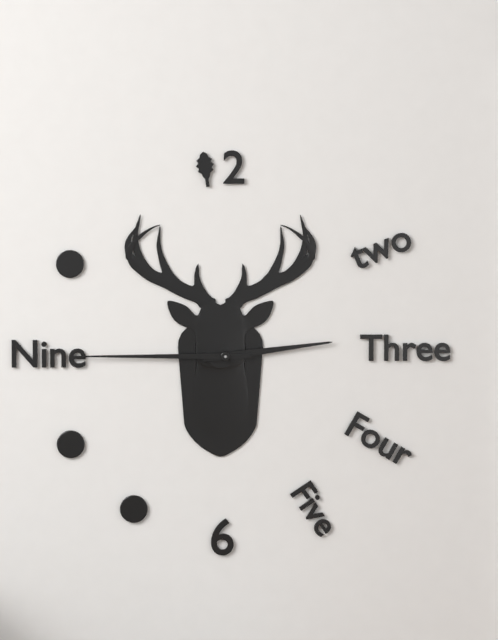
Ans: 2:45
